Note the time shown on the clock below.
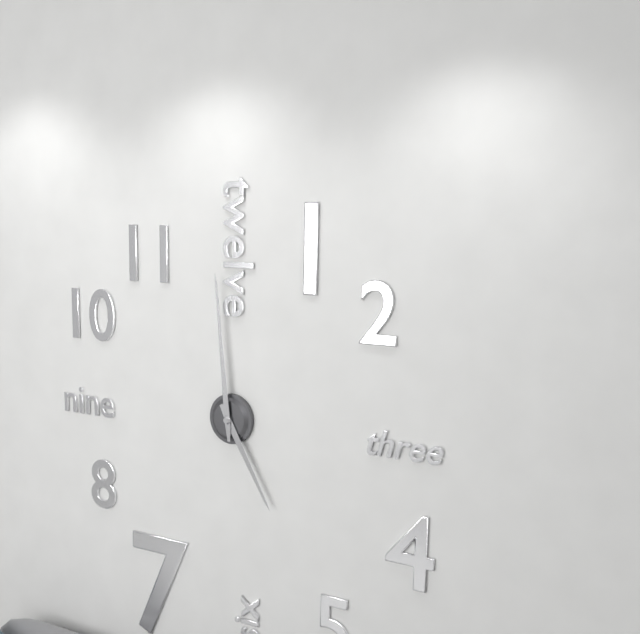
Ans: 4:59
